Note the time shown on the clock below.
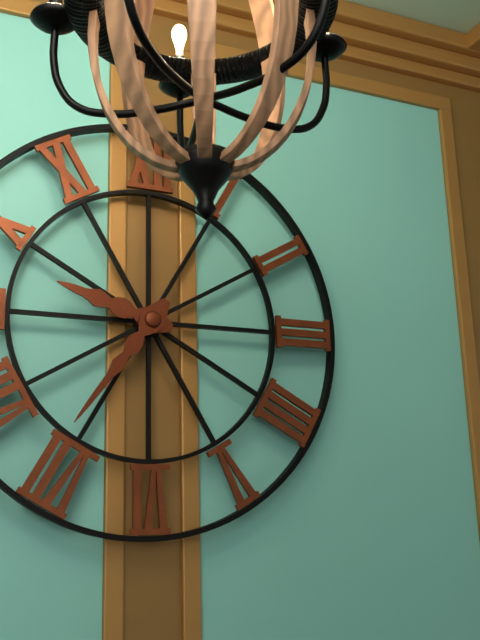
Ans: 9:36
